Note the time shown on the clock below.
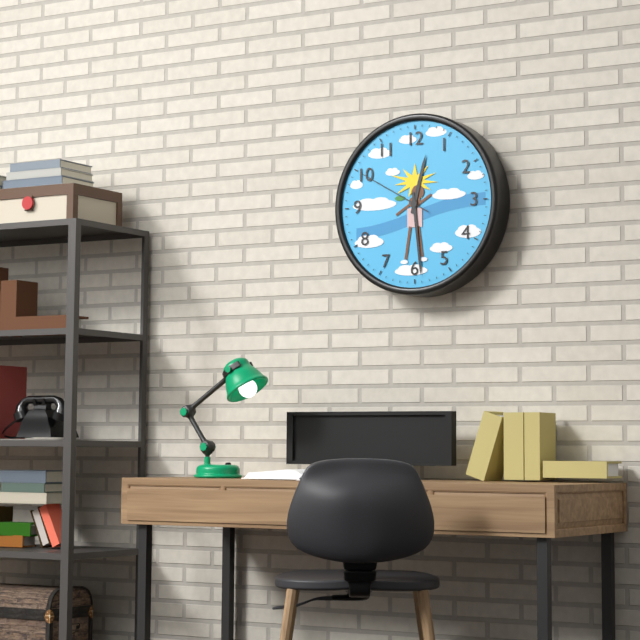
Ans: 12:29:50
